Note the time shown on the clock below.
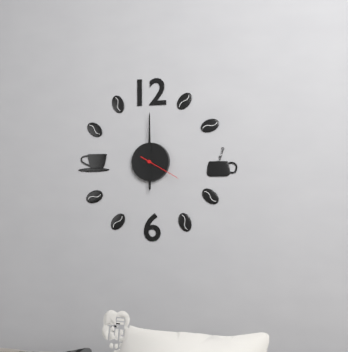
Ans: 6:00
